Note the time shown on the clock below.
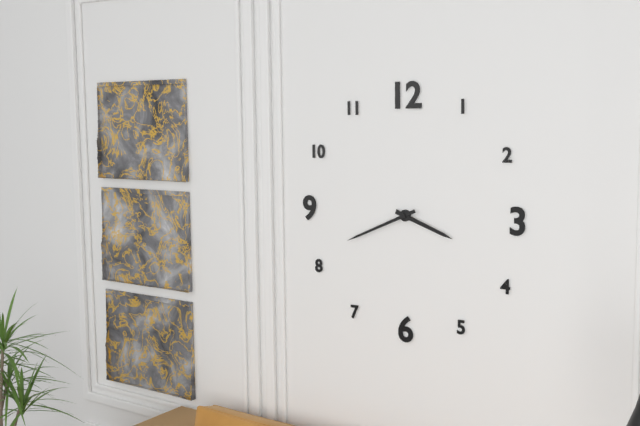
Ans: 3:41
